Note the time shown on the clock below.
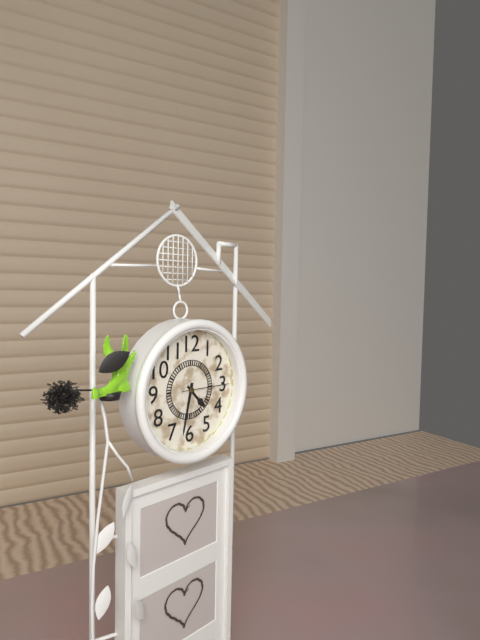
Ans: 4:32
